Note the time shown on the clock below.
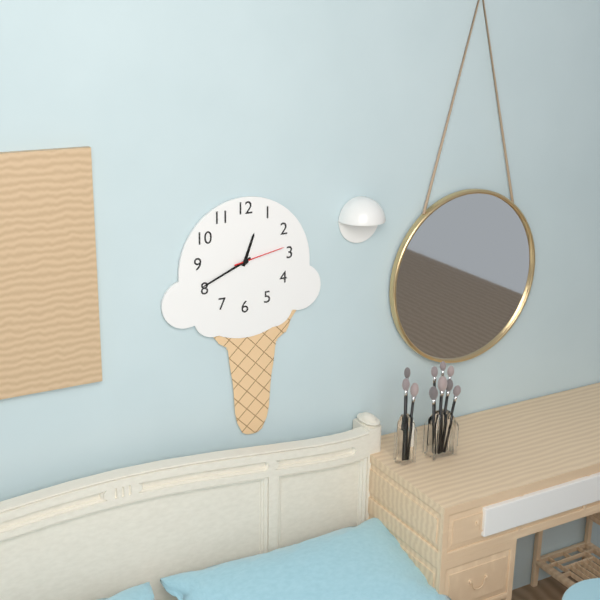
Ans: 12:41:13
